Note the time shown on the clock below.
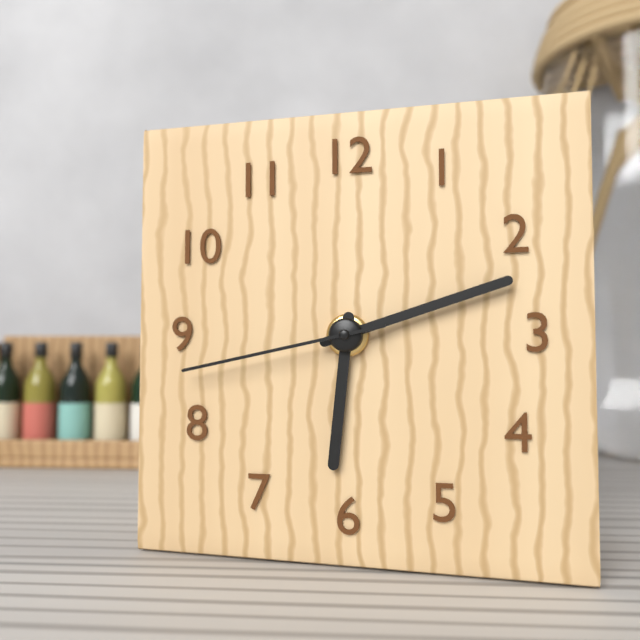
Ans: 6:12:43
